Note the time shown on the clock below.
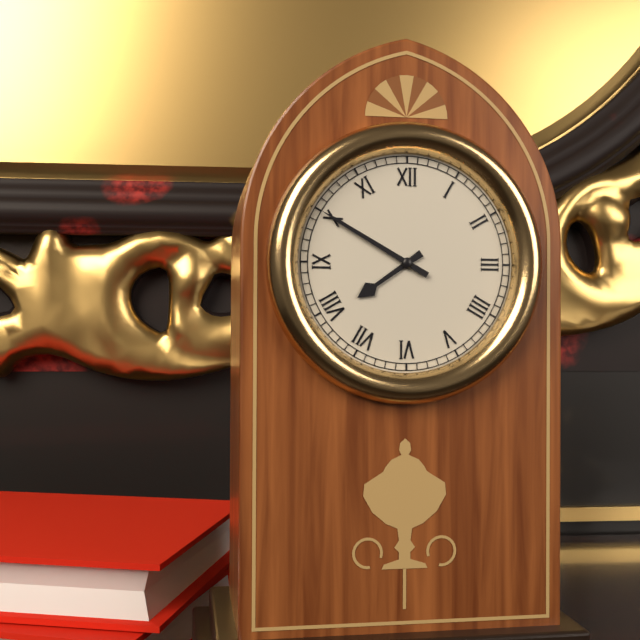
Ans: 7:50
